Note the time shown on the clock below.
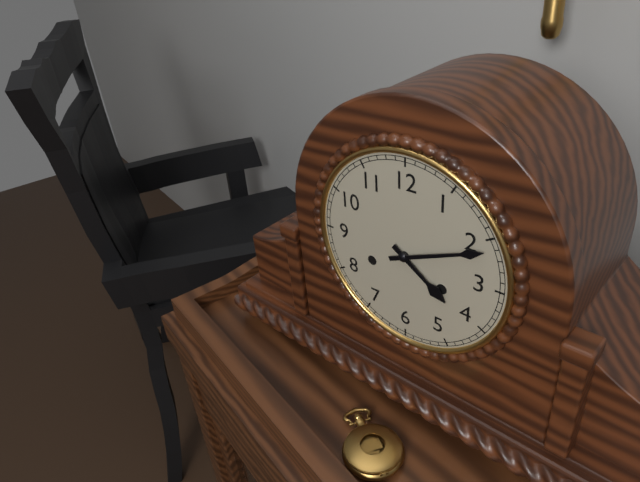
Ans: 4:11
